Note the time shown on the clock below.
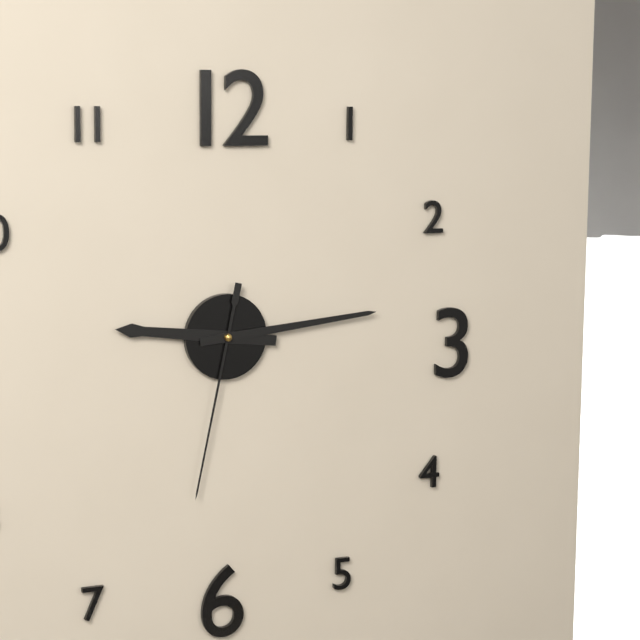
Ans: 9:14:32
